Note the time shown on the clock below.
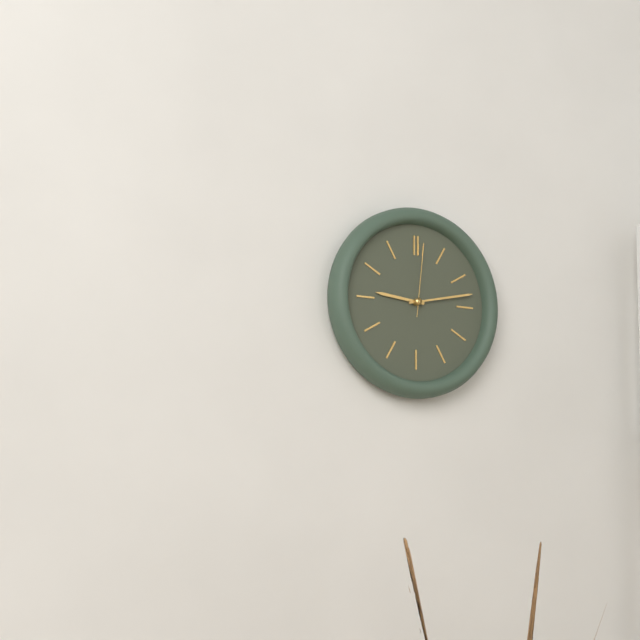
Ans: 9:13:01
